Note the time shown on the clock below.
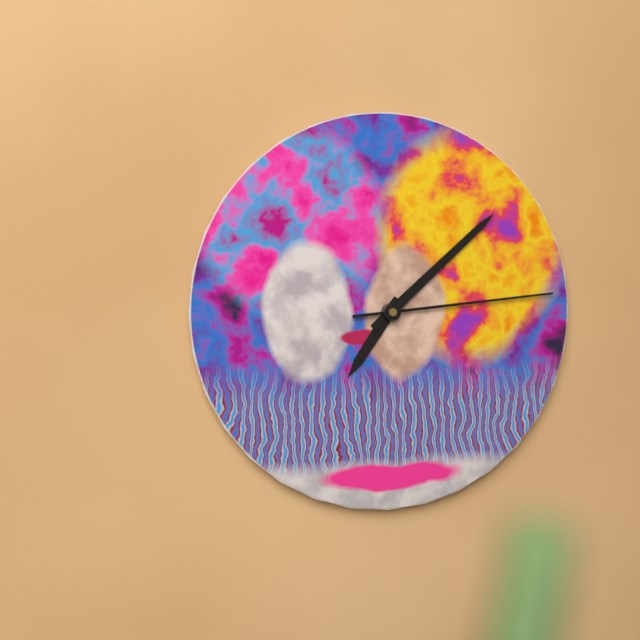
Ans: 7:08:14
